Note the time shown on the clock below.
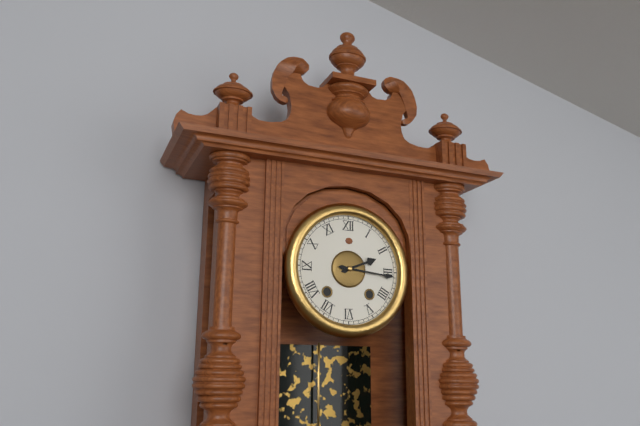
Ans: 2:16
